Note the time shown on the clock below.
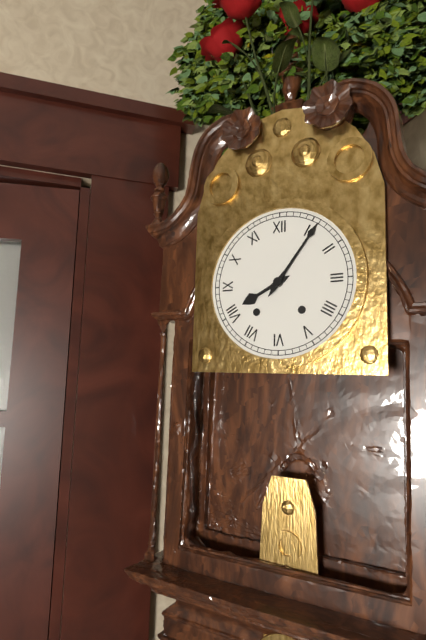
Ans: 8:06
